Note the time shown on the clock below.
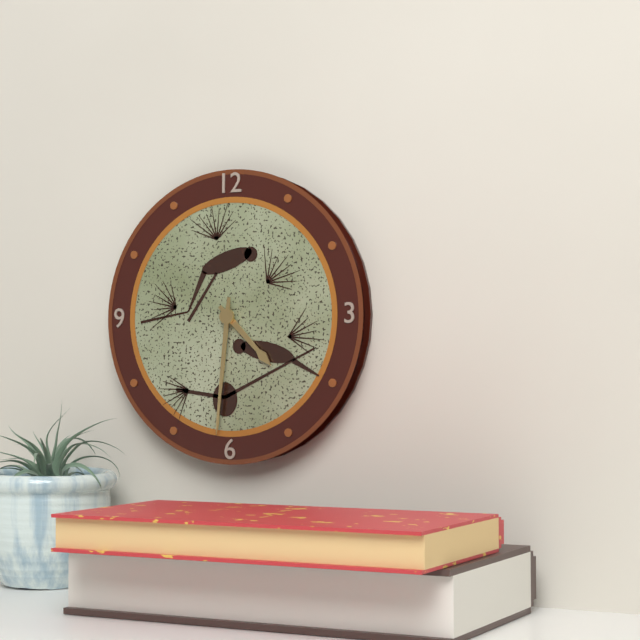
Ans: 4:31
